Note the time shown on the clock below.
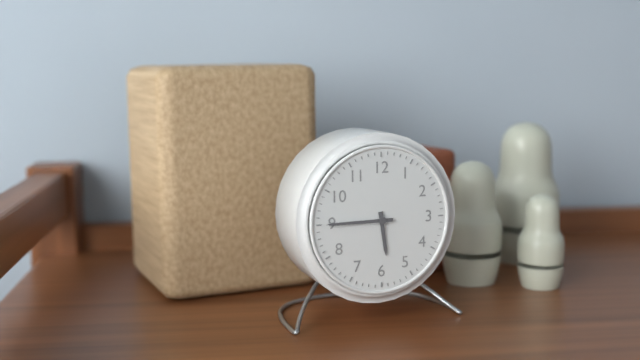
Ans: 5:45
